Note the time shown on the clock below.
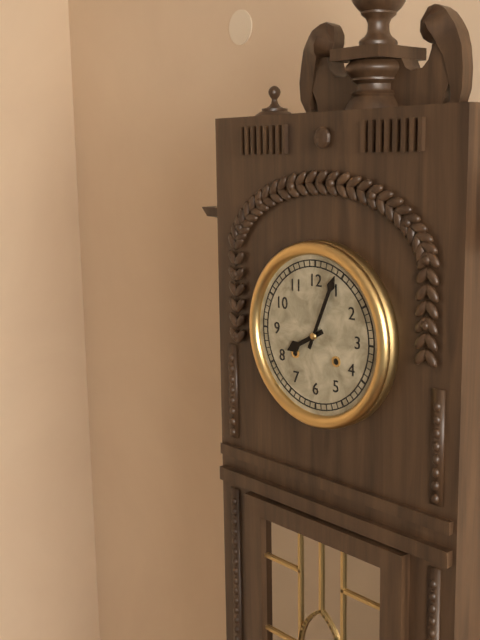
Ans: 8:04
